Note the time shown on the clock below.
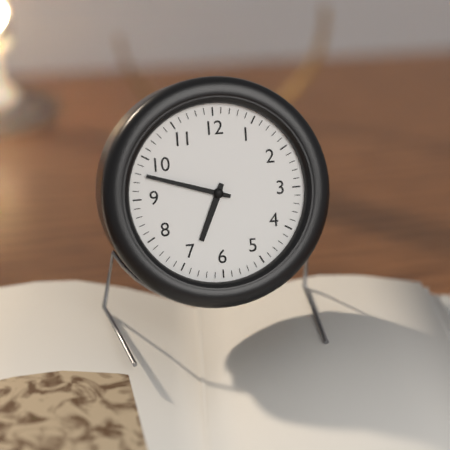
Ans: 6:48
